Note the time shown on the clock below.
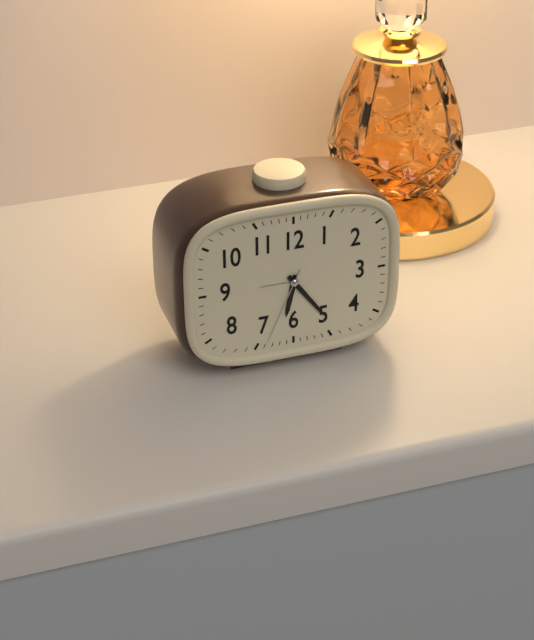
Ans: 6:24:34
